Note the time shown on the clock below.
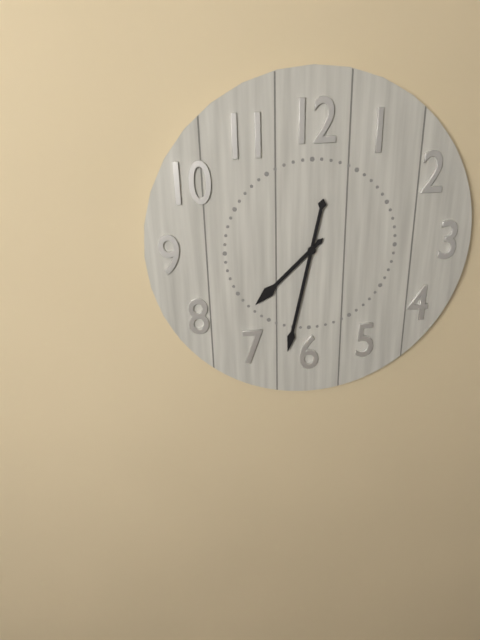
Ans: 7:32
